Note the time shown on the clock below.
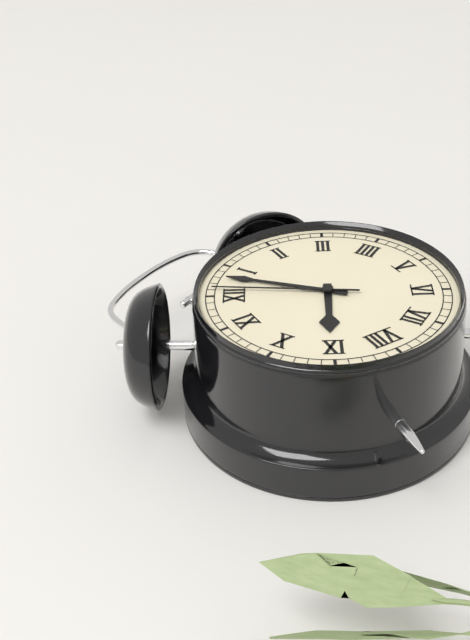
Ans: 9:03:01
